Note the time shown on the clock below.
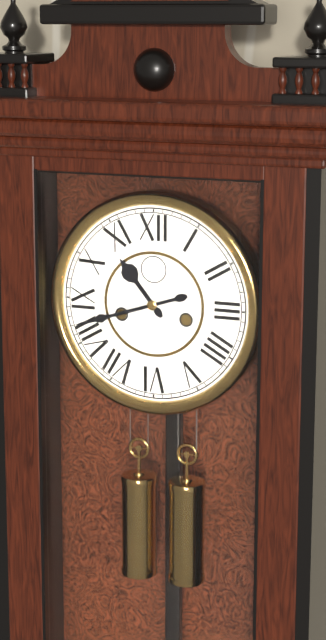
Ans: 10:42
